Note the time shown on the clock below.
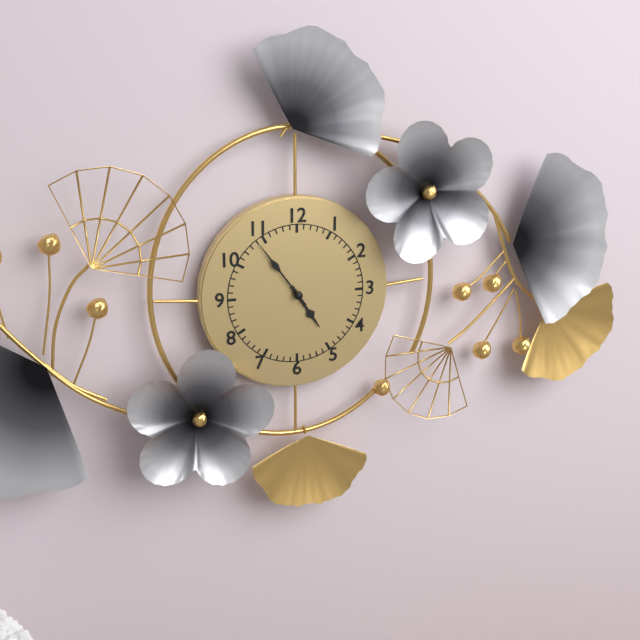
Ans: 4:54
